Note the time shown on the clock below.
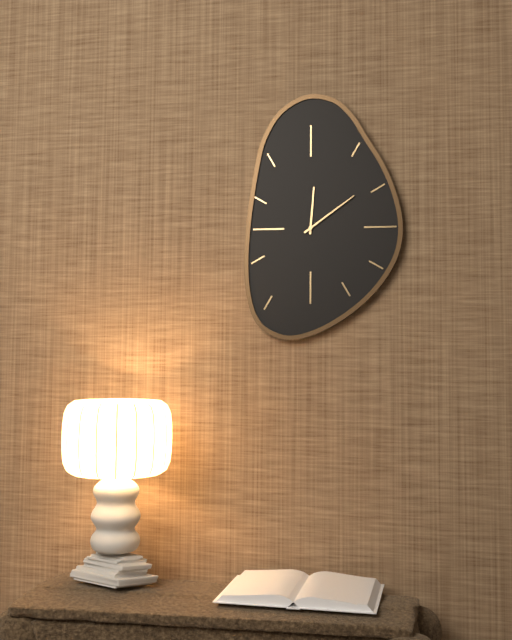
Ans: 12:09
